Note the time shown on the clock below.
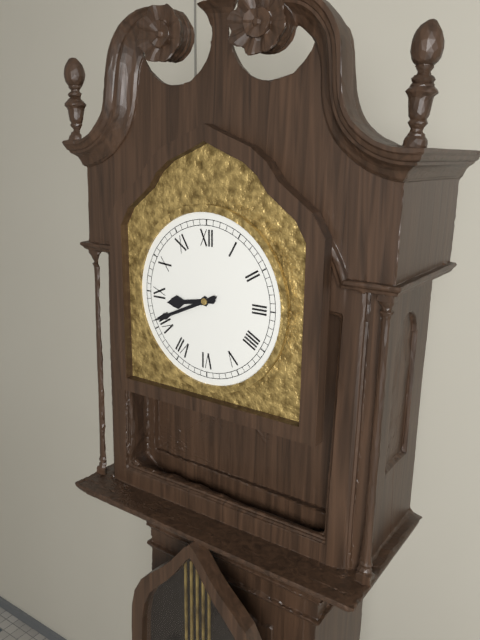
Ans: 8:41
